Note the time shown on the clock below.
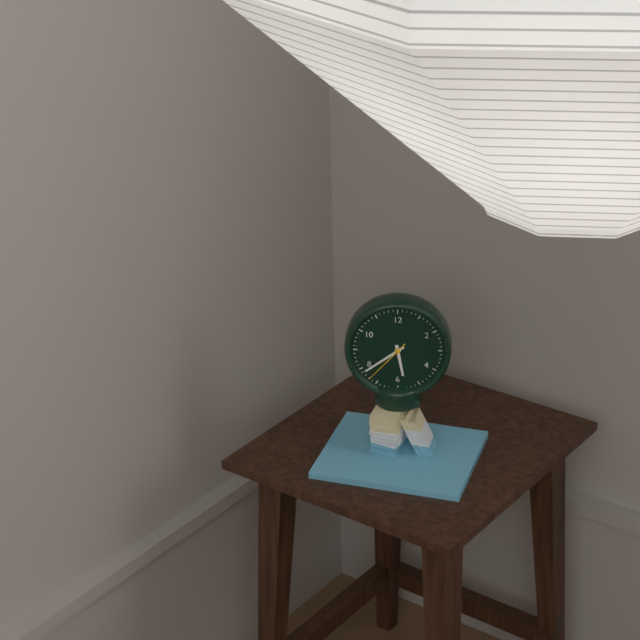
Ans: 5:39
